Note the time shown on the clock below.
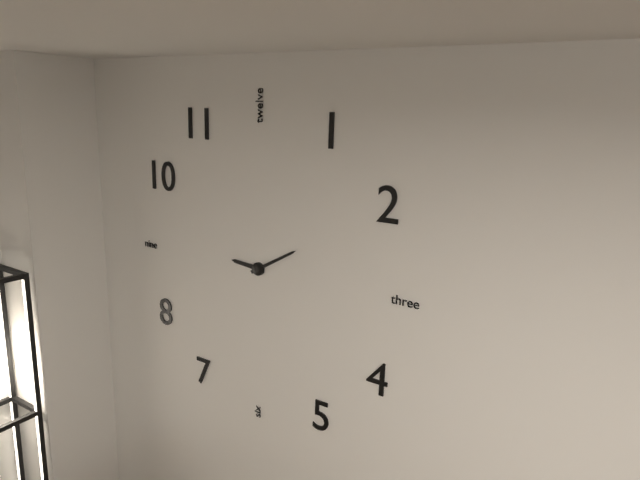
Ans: 9:10
